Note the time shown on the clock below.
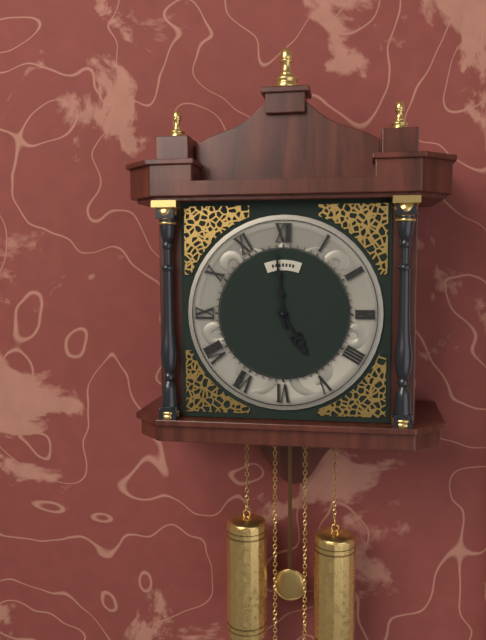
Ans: 4:59
